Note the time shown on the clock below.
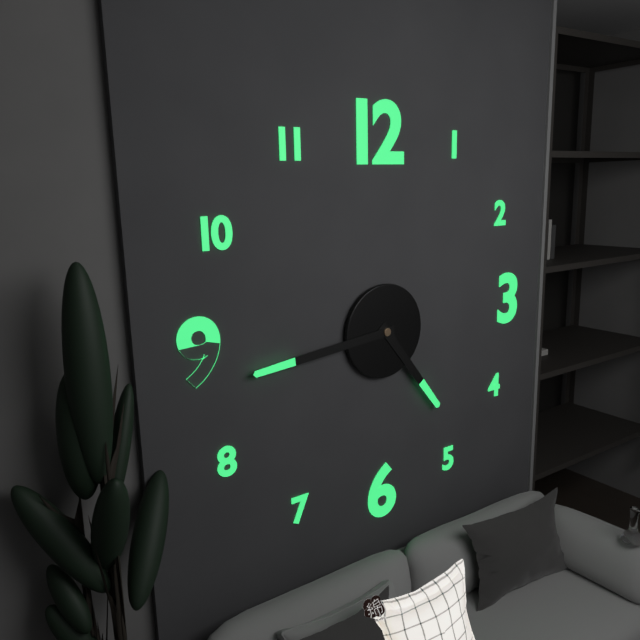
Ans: 4:44
